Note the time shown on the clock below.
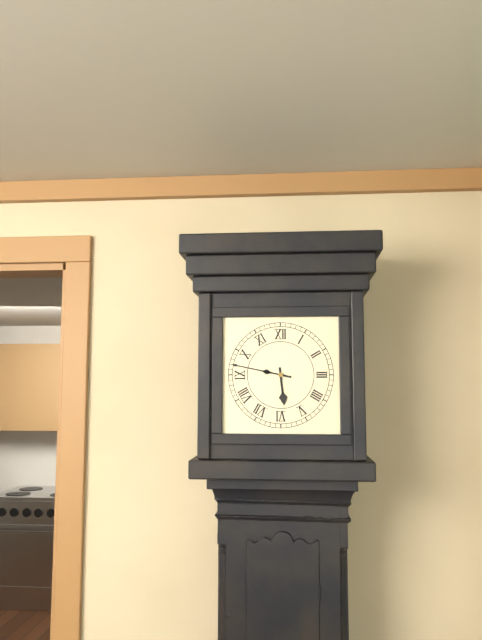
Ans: 5:47
